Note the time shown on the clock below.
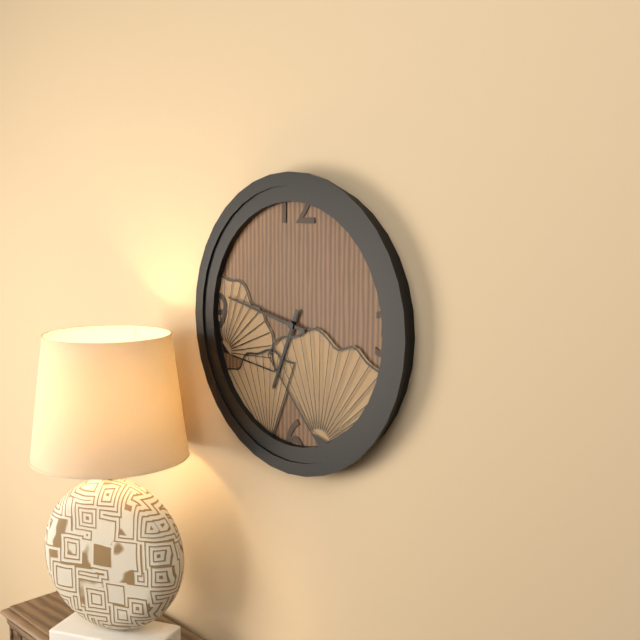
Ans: 6:47
